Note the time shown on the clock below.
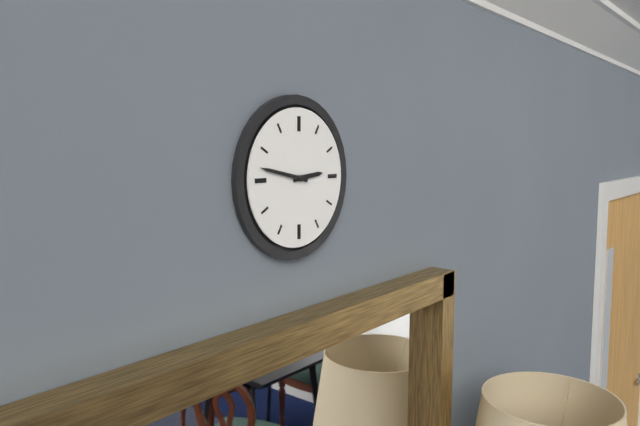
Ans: 2:47
